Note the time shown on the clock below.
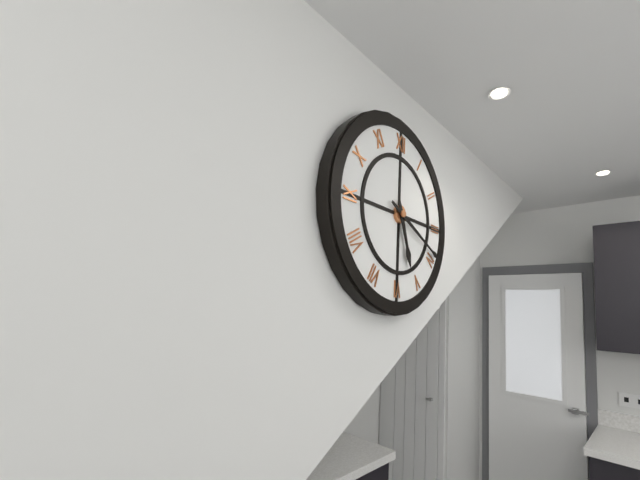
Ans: 5:19
